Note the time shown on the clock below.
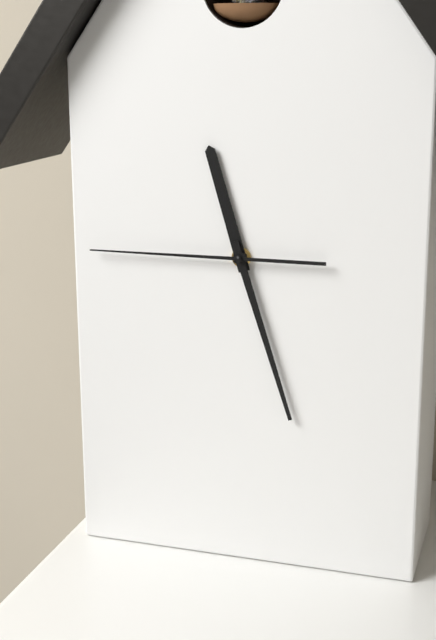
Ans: 11:27:45
